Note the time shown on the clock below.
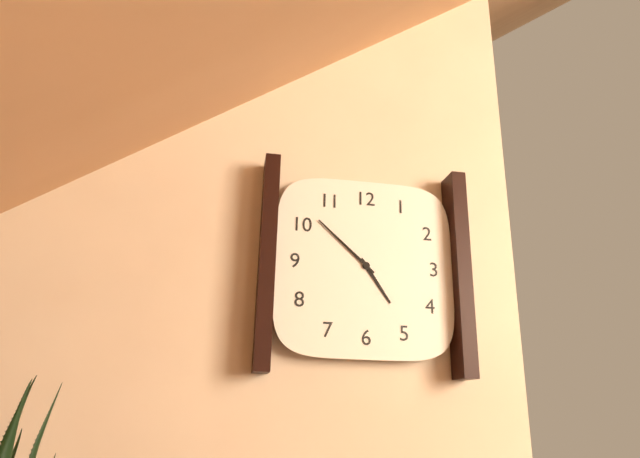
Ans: 4:52
